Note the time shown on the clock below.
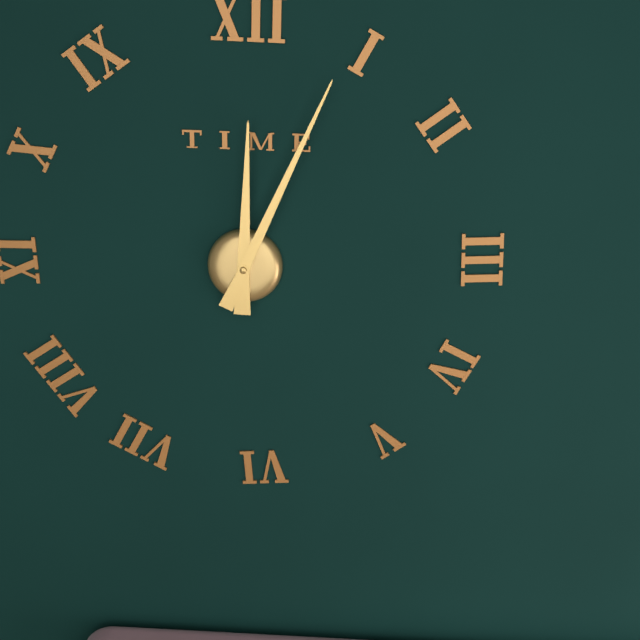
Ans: 12:04
